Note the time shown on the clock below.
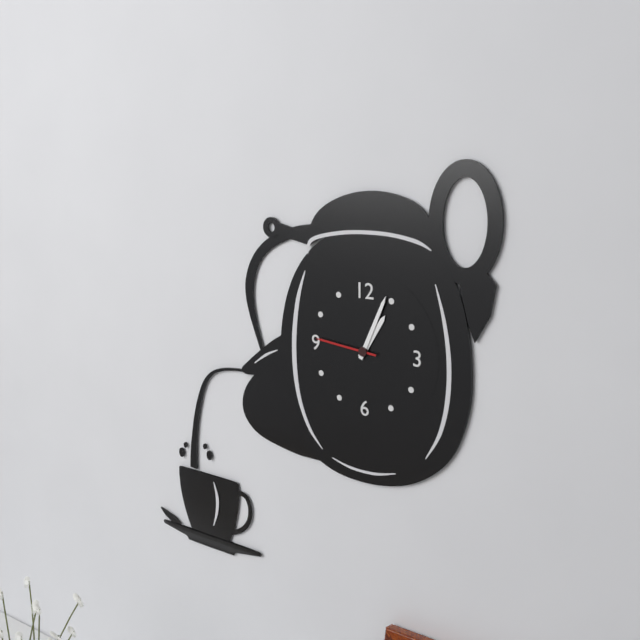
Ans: 1:04:46
